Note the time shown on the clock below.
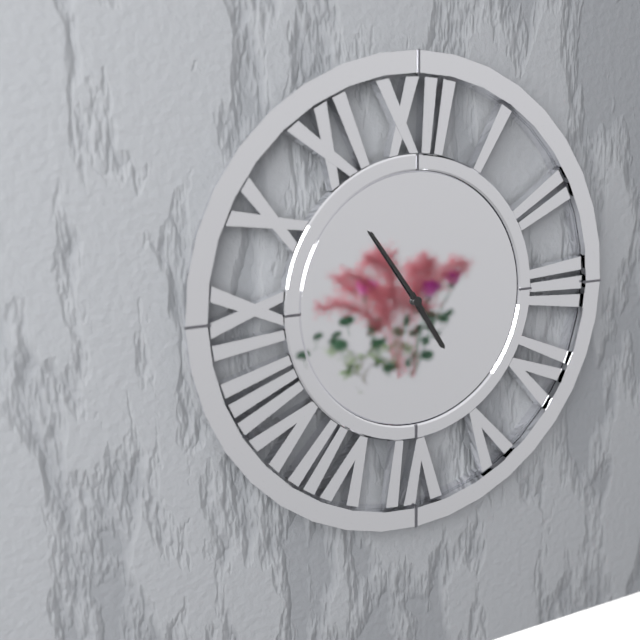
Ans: 4:54
